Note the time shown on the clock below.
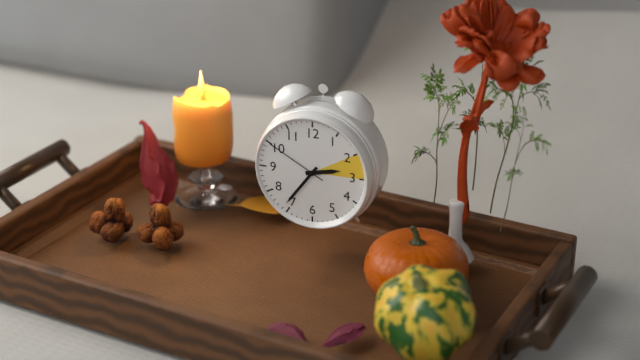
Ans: 2:36:50
